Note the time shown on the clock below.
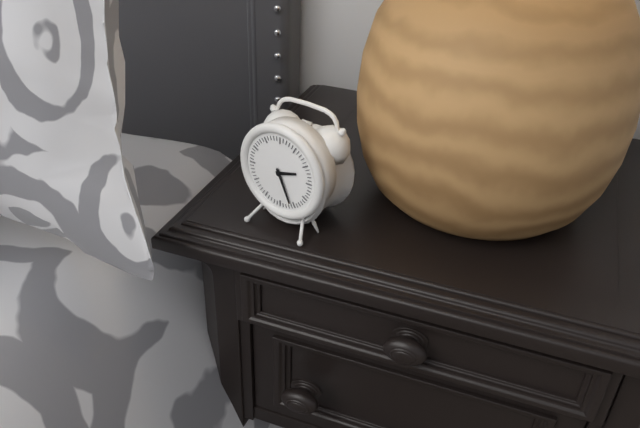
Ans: 2:26
